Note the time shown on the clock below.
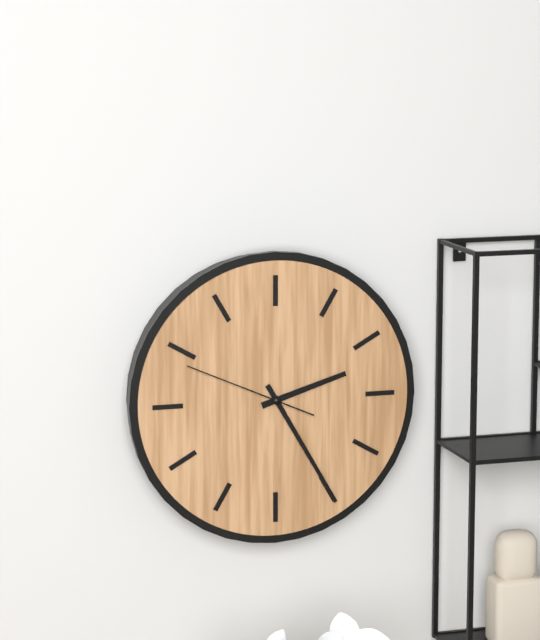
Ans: 2:25:49
